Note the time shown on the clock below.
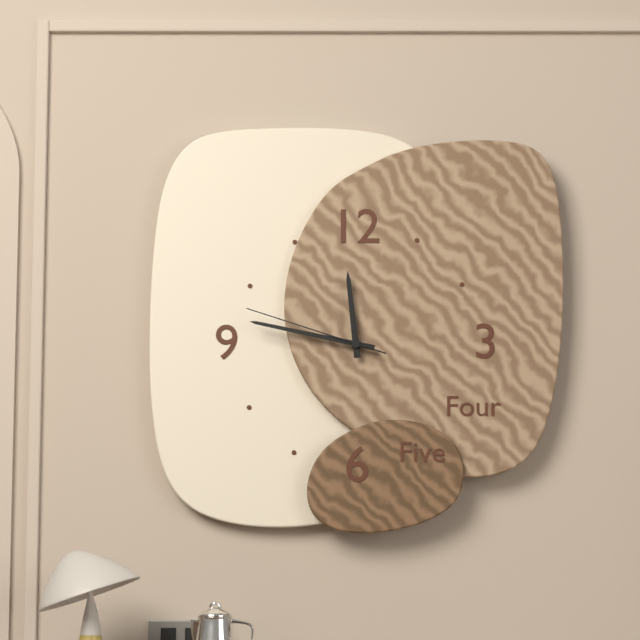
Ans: 11:47:48
